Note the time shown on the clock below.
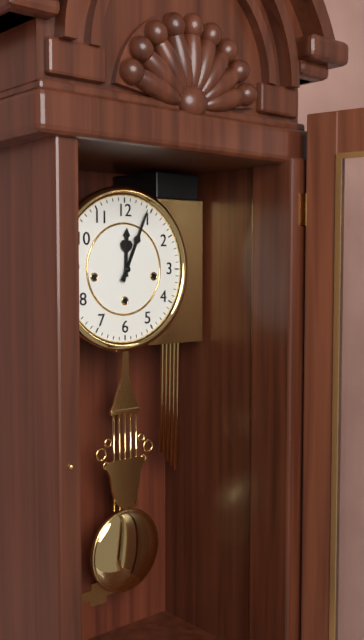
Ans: 12:04
